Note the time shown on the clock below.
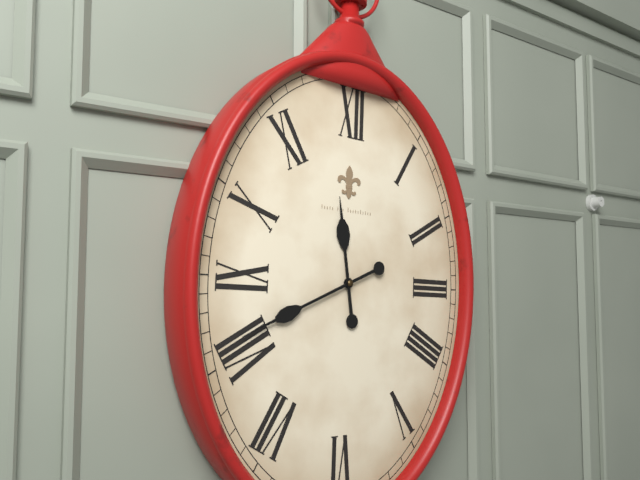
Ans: 11:41
